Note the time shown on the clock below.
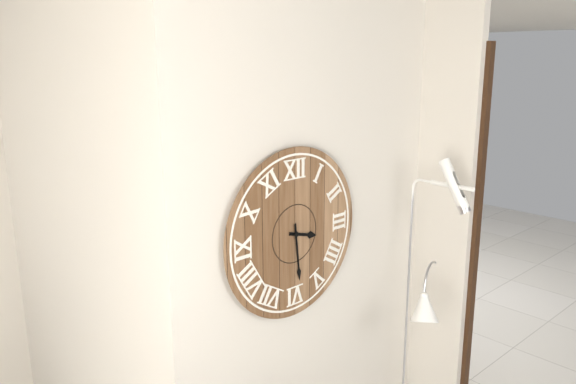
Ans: 3:29
